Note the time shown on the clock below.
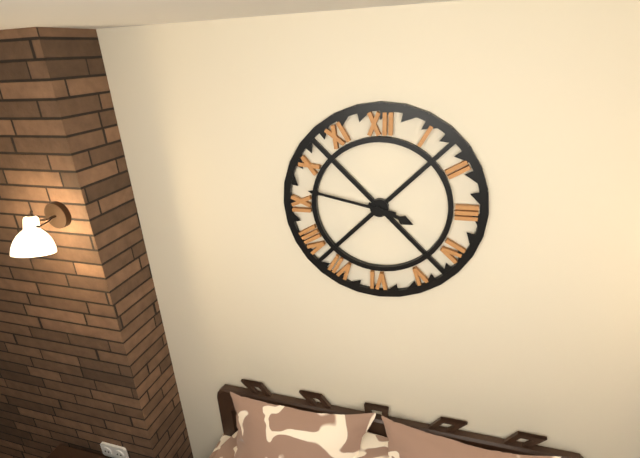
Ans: 3:47
